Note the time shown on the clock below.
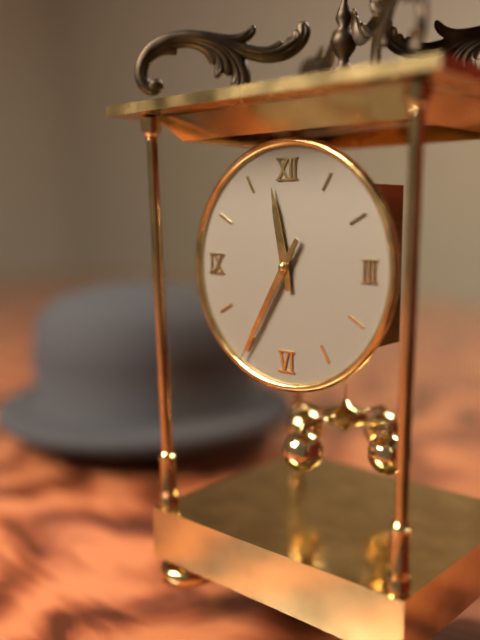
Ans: 11:35
